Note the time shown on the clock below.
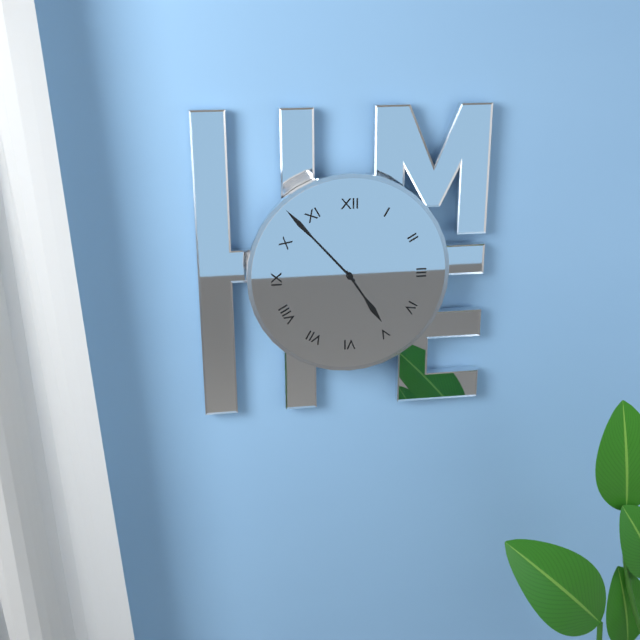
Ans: 4:53
